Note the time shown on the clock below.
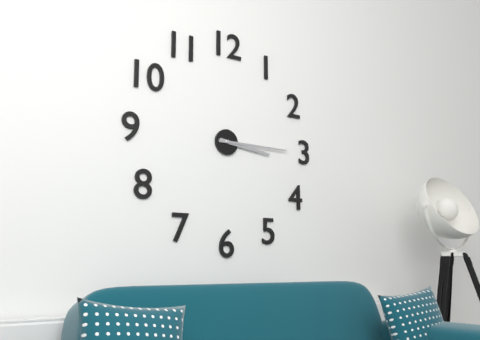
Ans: 3:15
